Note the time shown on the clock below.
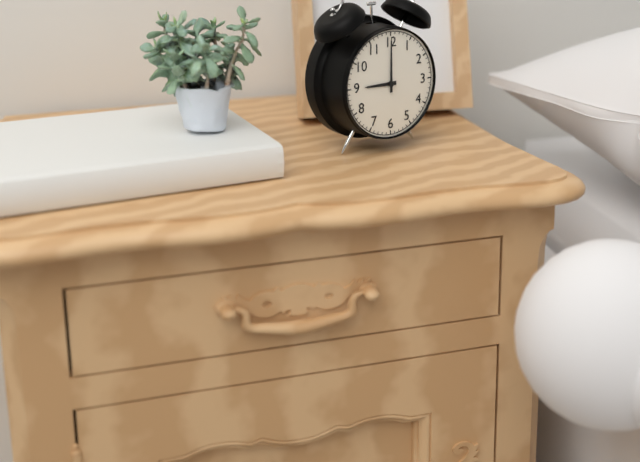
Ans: 9:00
